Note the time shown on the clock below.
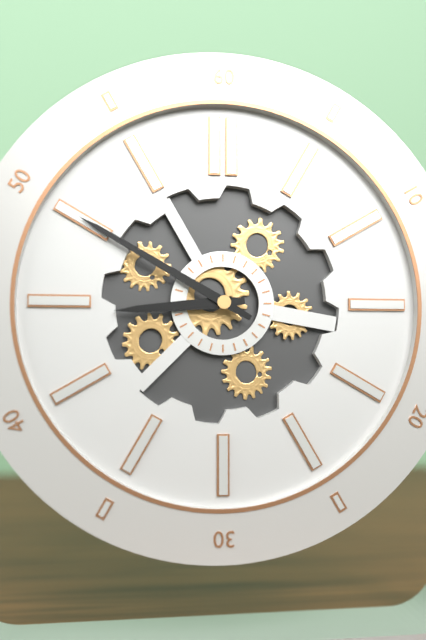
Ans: 8:50
